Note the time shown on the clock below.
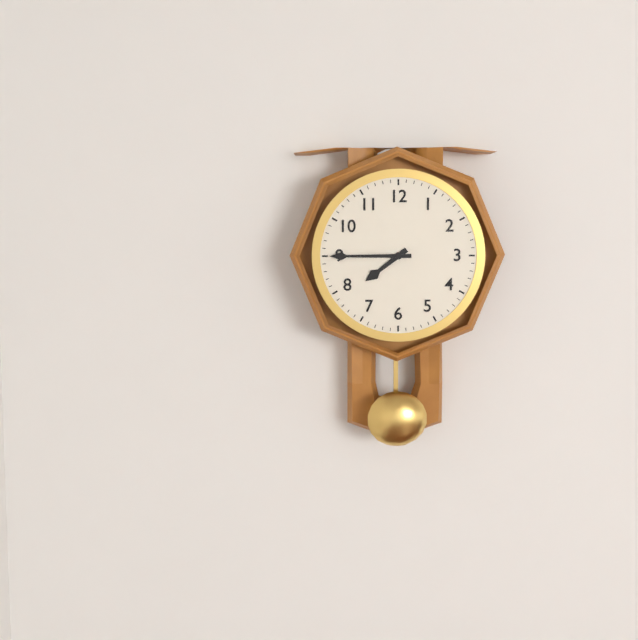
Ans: 7:45
